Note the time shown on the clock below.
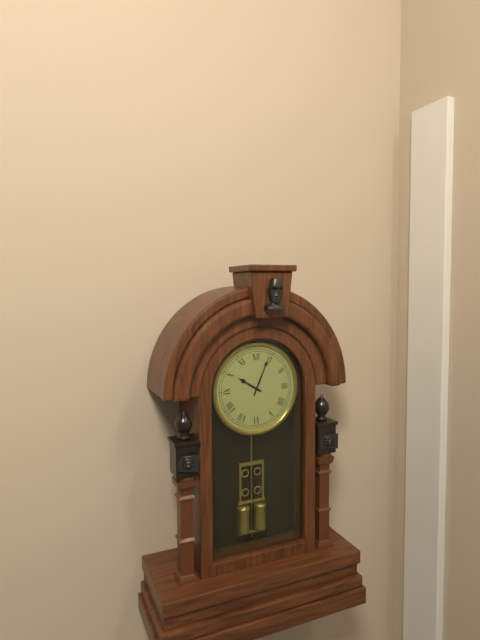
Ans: 10:04
